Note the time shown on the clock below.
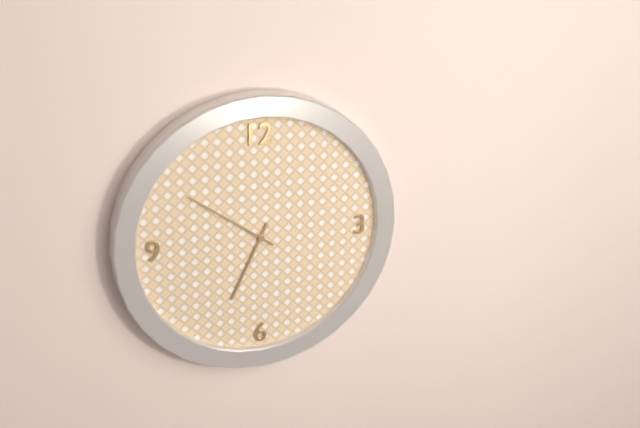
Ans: 6:51
